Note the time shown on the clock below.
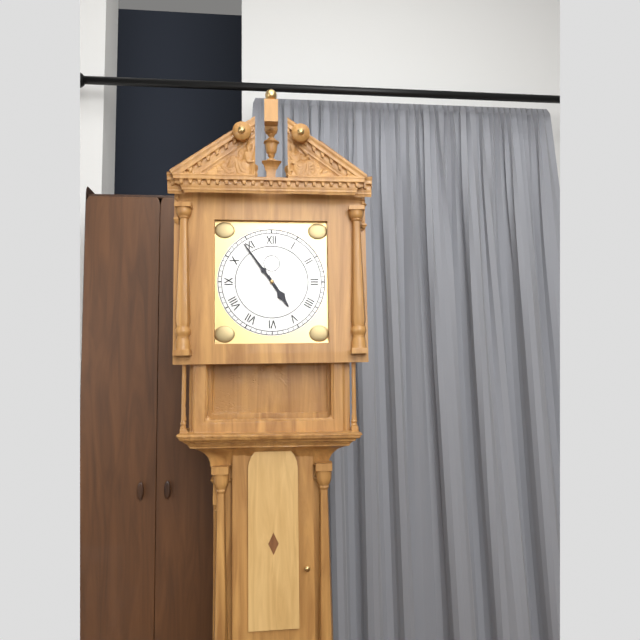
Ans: 4:54
